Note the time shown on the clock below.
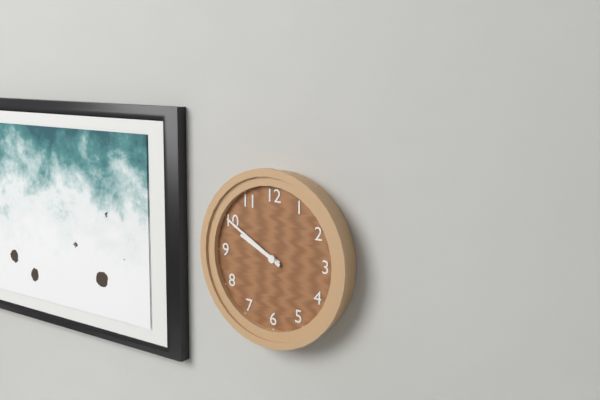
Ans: 9:50
